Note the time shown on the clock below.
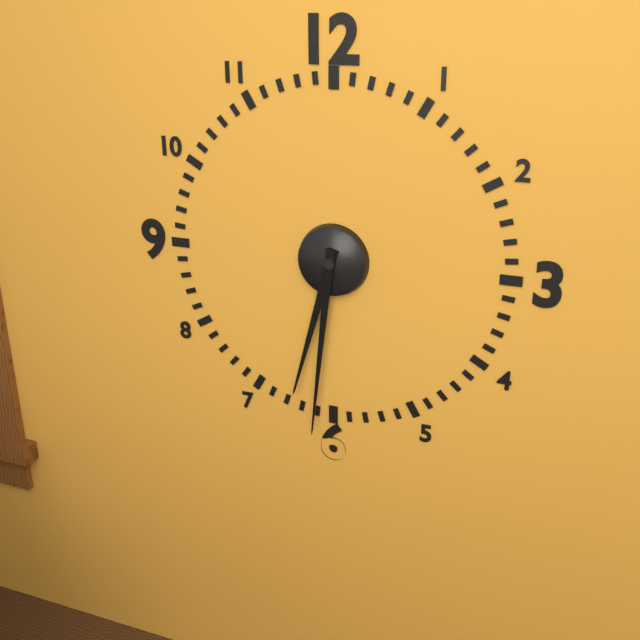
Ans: 6:31
